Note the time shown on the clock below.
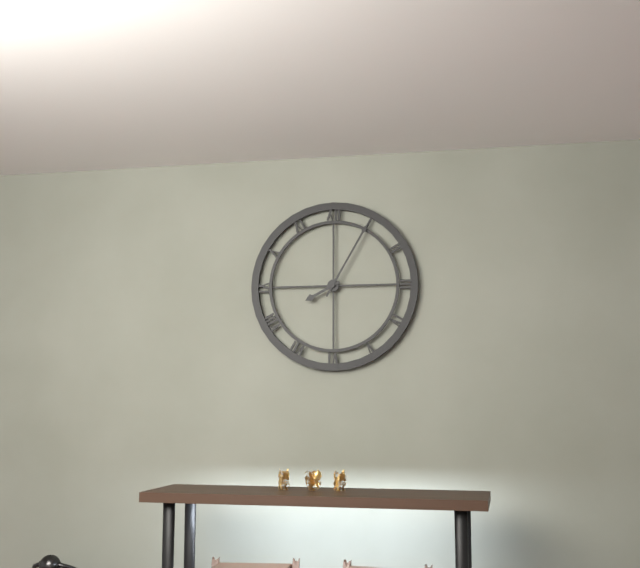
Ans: 8:05
